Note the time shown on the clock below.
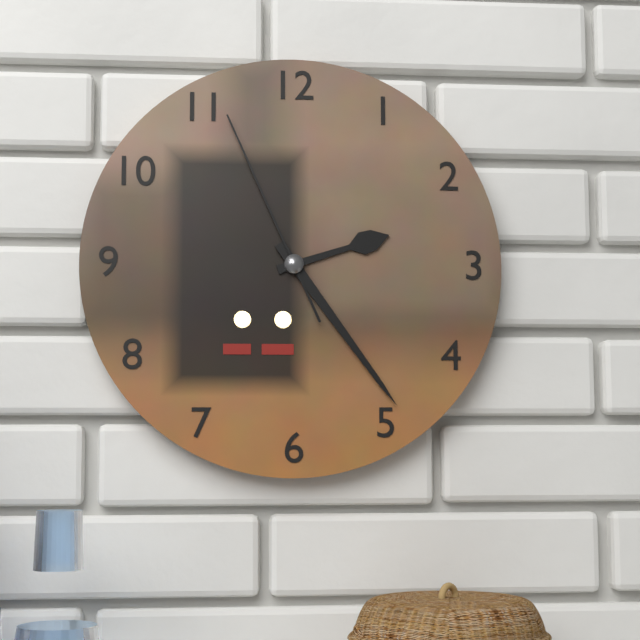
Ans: 2:24:56
